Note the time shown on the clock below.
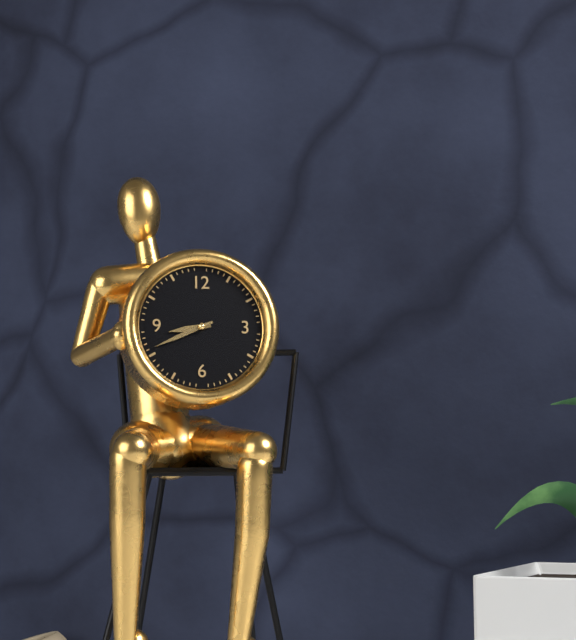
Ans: 8:41
